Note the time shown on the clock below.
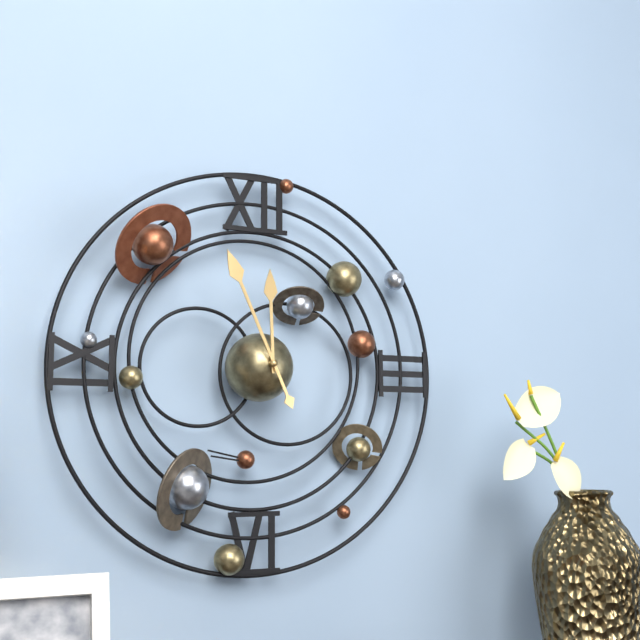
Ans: 11:56
